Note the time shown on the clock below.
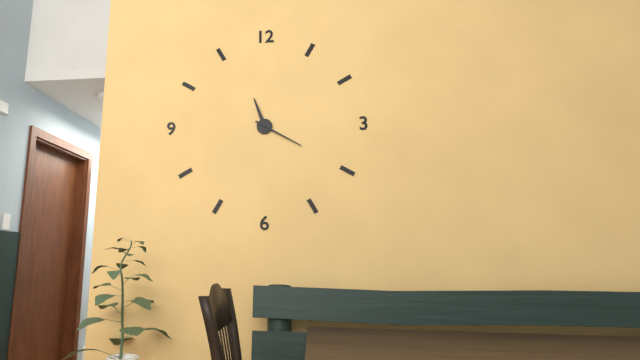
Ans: 11:20
